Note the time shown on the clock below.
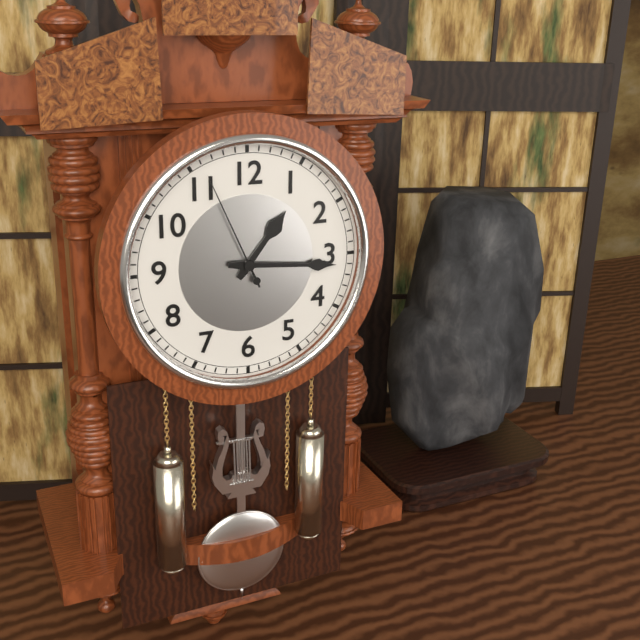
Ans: 1:16:56
